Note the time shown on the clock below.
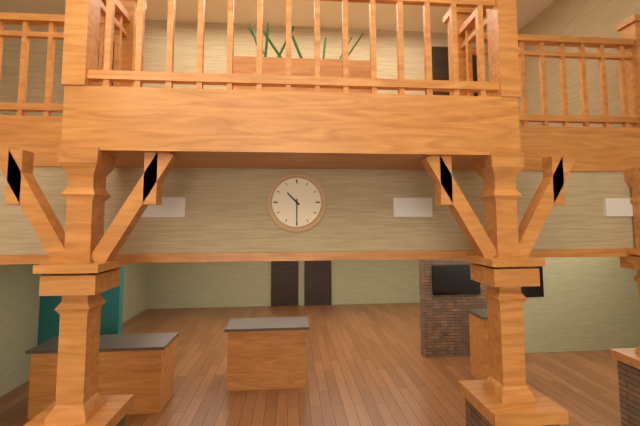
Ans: 10:30
